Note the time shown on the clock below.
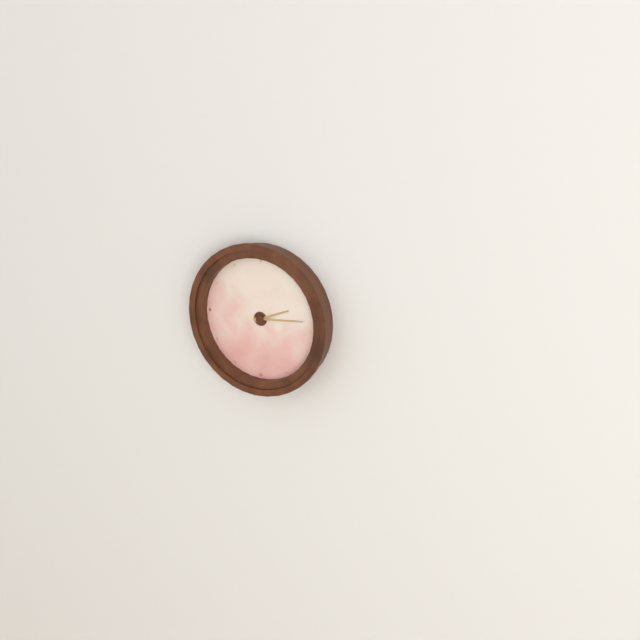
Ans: 2:14
